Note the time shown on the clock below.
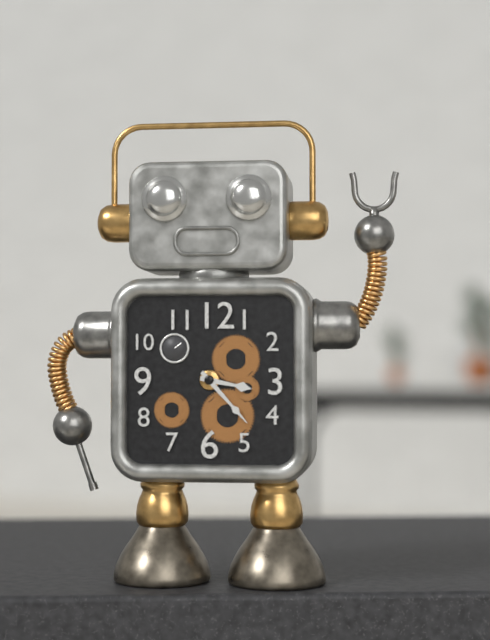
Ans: 3:23
